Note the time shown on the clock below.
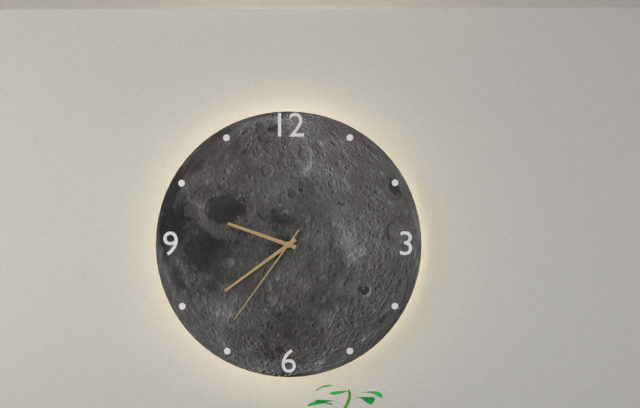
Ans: 9:39:36
